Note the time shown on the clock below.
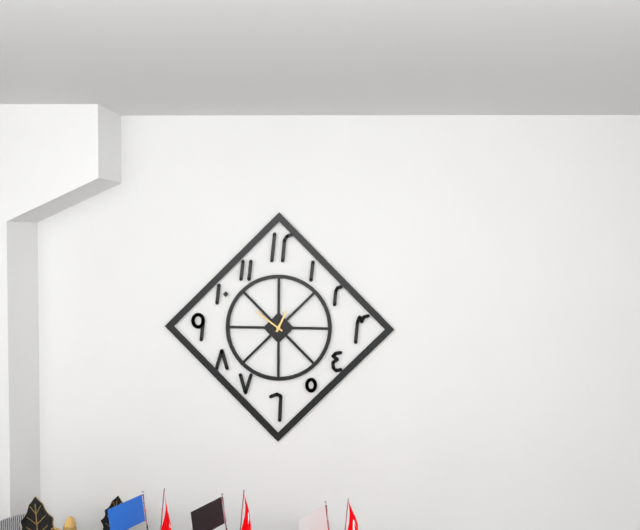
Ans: 12:51
